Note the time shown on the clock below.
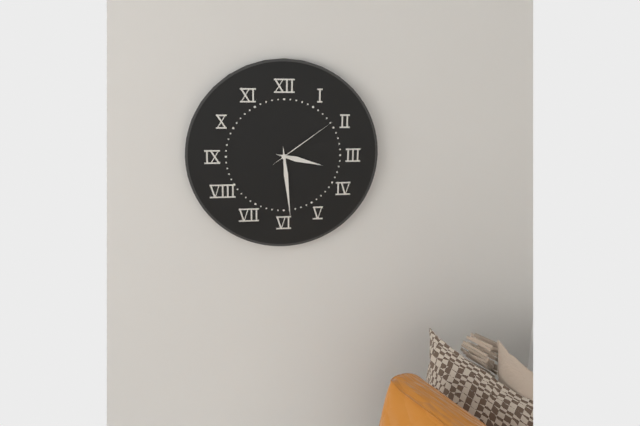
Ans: 3:29:09
